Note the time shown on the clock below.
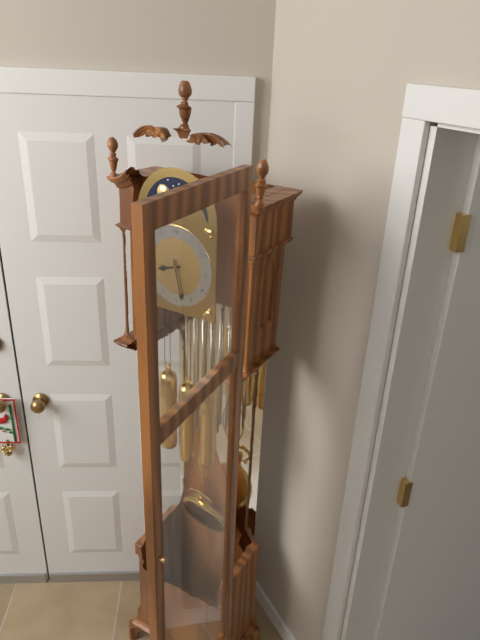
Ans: 8:28
